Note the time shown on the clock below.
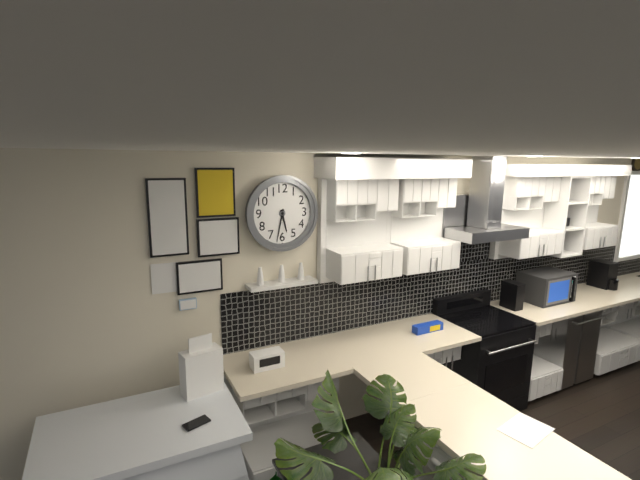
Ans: 5:32
